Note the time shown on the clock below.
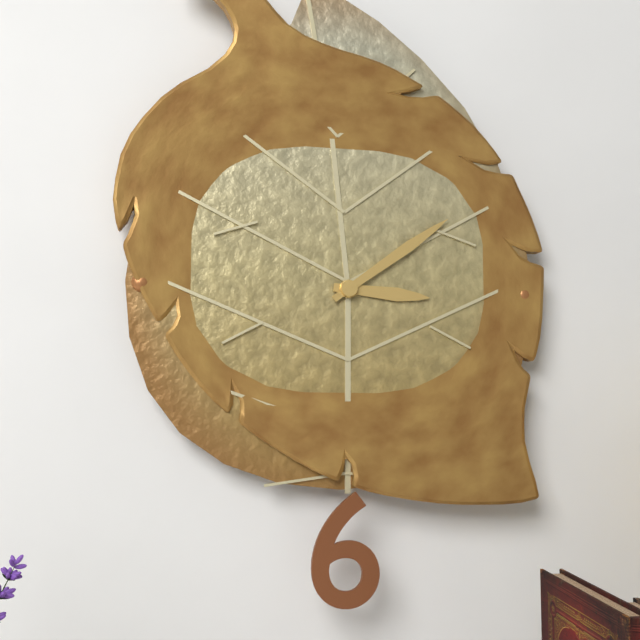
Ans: 3:09
